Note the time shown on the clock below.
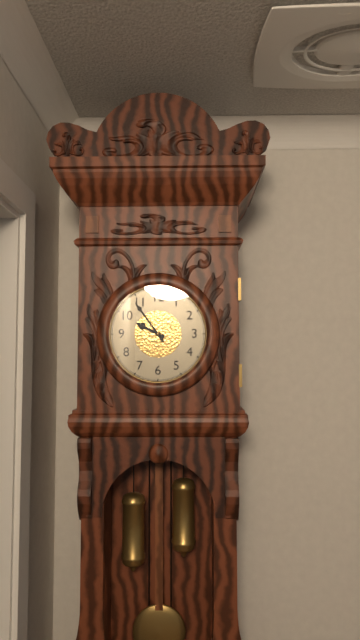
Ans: 9:54
